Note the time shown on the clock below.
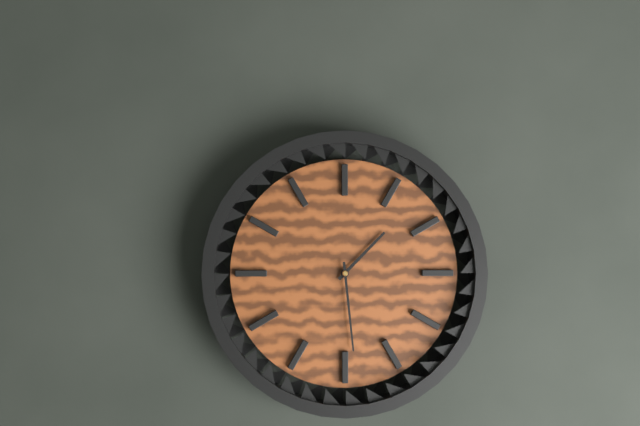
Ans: 1:29
